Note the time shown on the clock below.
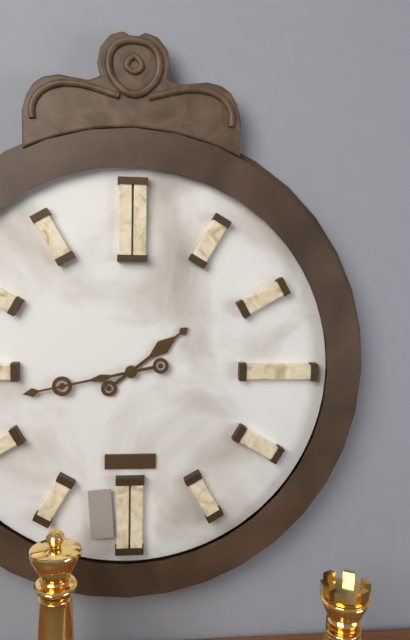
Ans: 1:43
